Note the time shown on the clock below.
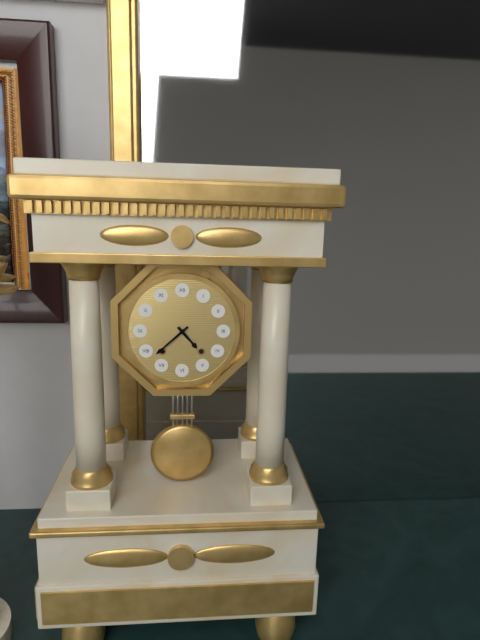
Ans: 4:38
